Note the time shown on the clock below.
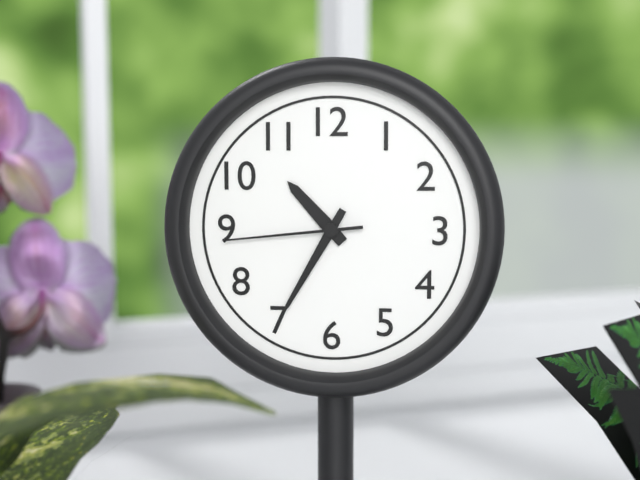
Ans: 10:35:44
